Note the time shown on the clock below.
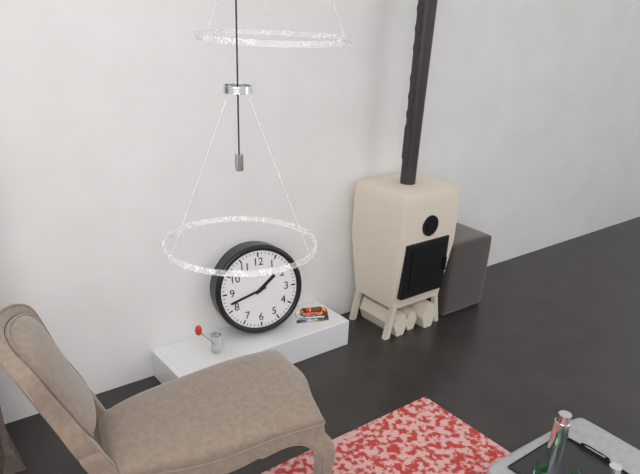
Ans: 1:42
